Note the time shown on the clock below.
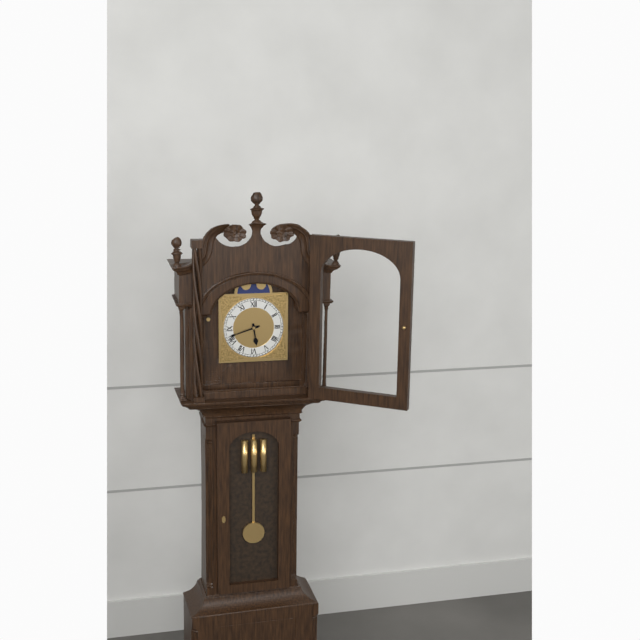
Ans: 5:42
